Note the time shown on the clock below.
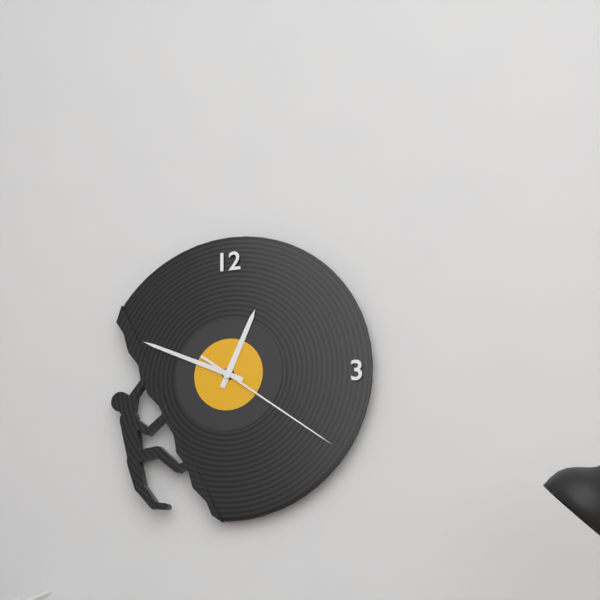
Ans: 12:49:21
